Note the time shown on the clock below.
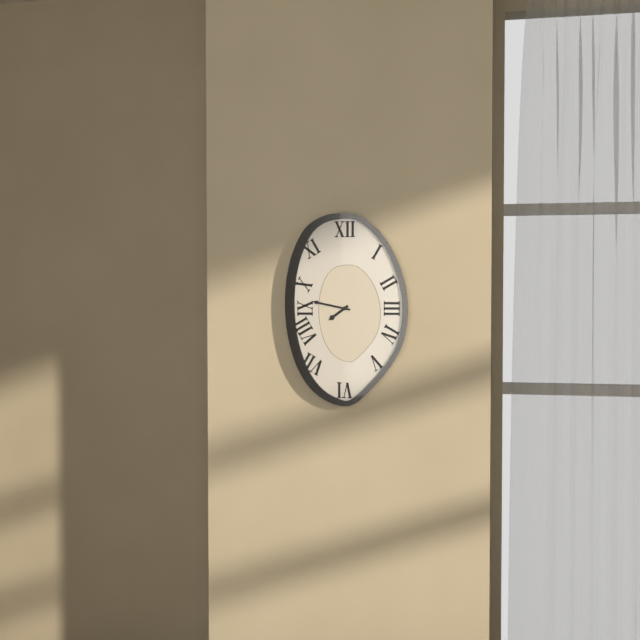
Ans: 7:47
